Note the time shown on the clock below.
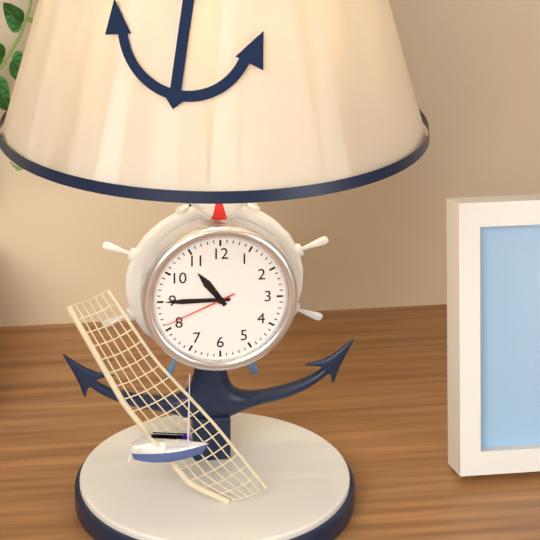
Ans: 10:45:41
